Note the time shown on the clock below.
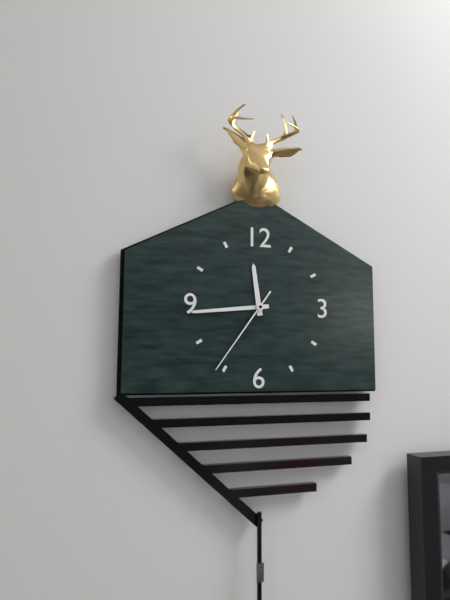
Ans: 11:44:36
